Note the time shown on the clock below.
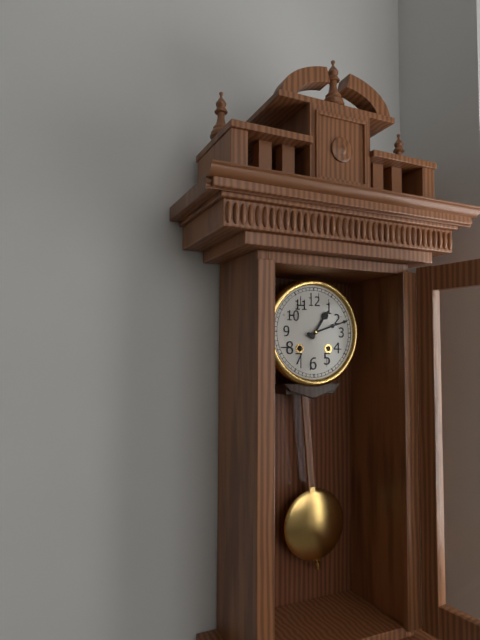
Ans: 1:12
